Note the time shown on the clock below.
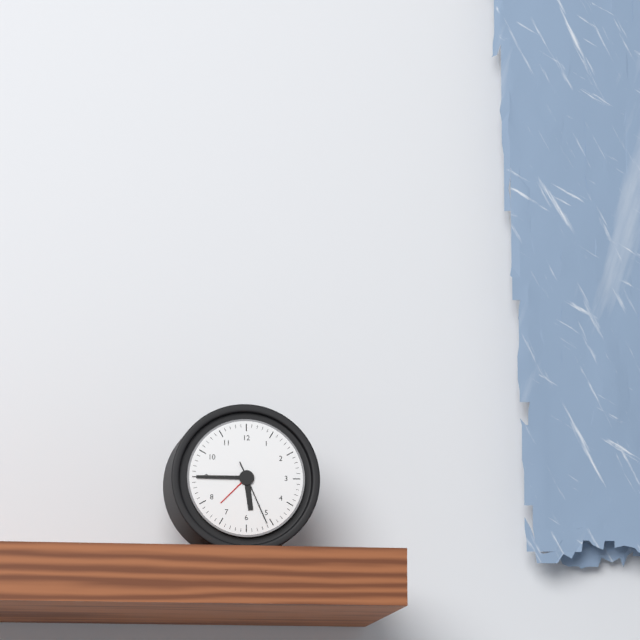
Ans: 5:45:26
